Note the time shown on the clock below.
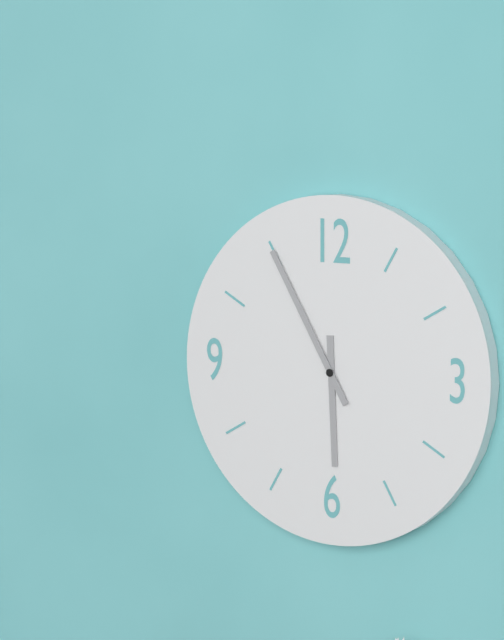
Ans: 5:55
